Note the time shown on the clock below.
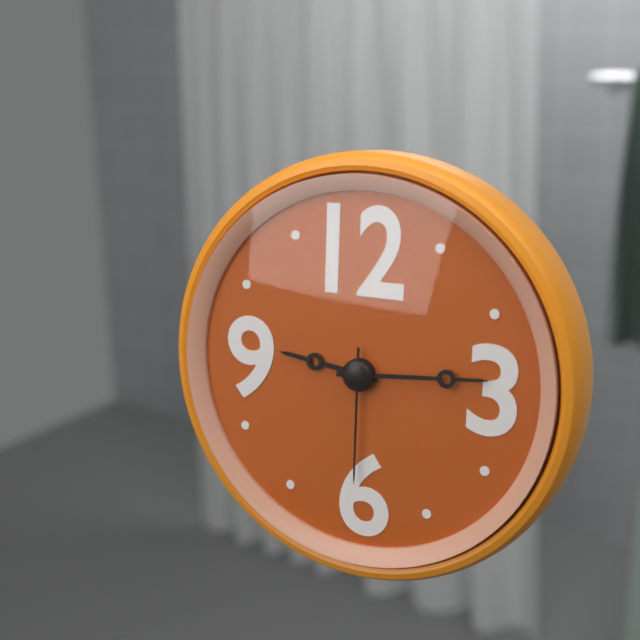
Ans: 9:14:30
